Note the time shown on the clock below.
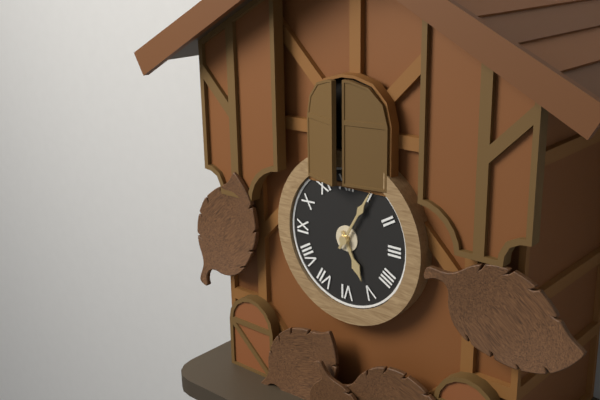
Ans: 5:05
